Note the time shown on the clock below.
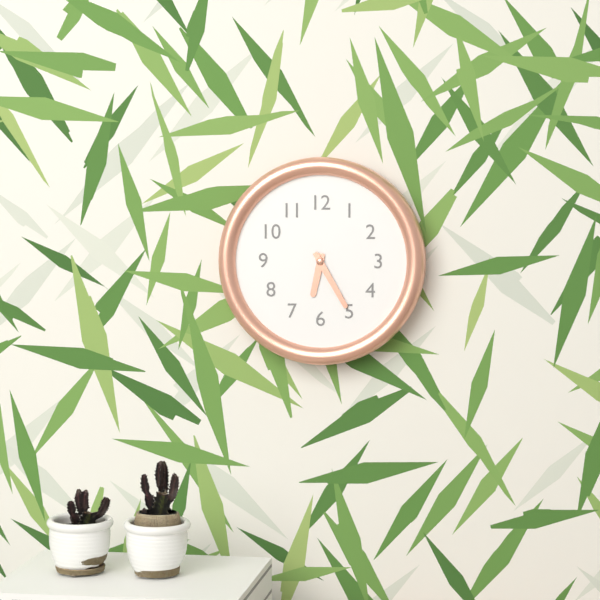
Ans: 6:25
